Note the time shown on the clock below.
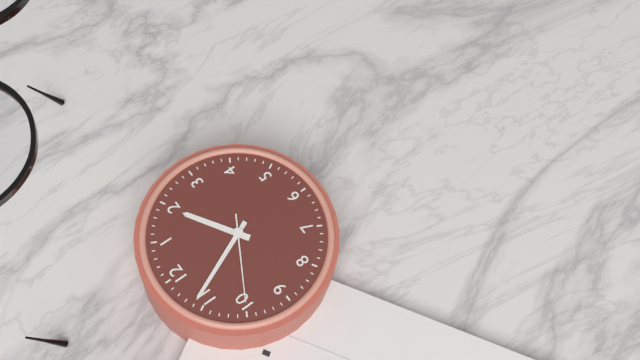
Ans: 1:56:50
